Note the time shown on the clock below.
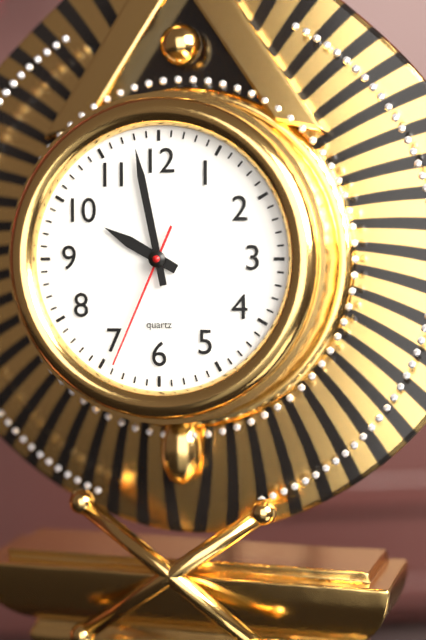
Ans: 9:58:34
